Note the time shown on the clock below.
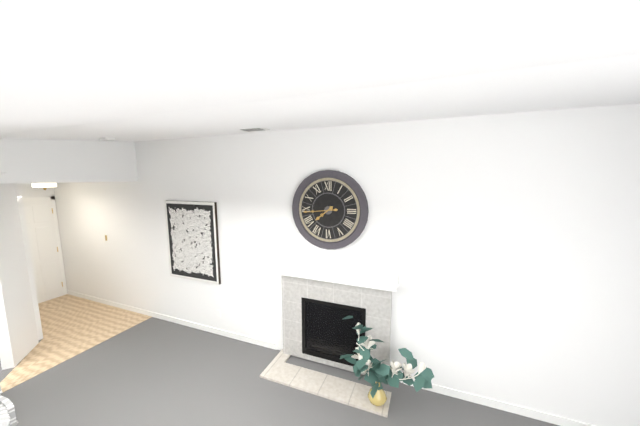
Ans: 7:44
